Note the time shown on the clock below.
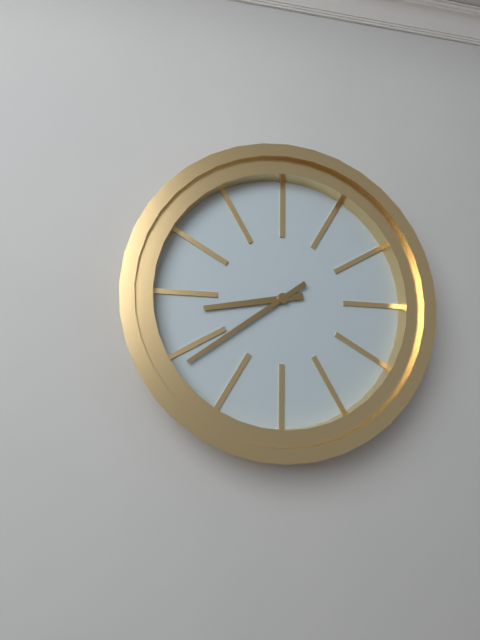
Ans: 8:39
